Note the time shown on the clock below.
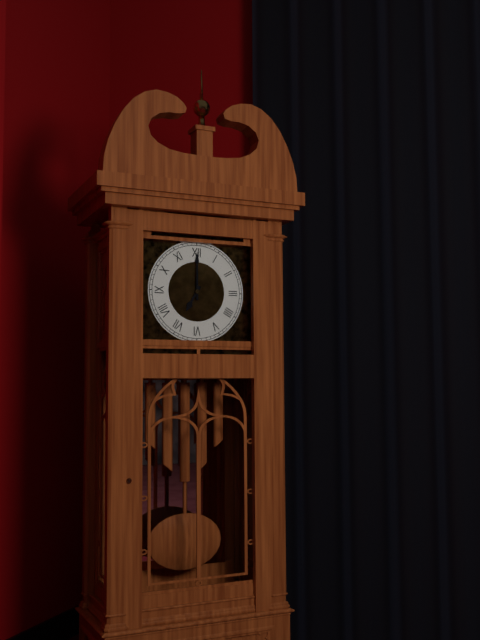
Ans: 7:00
